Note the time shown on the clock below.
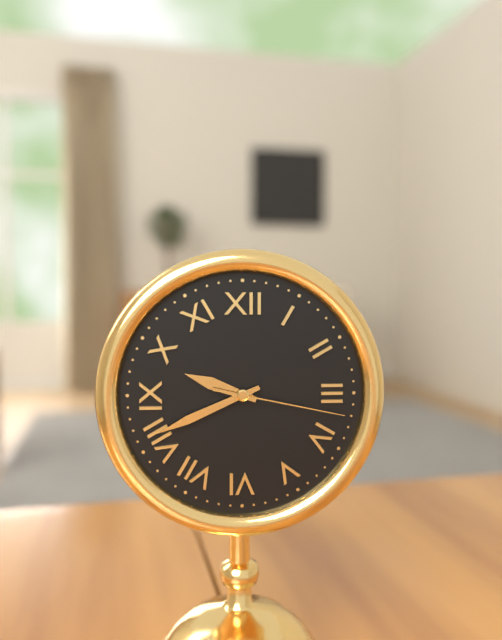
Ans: 9:41:17
